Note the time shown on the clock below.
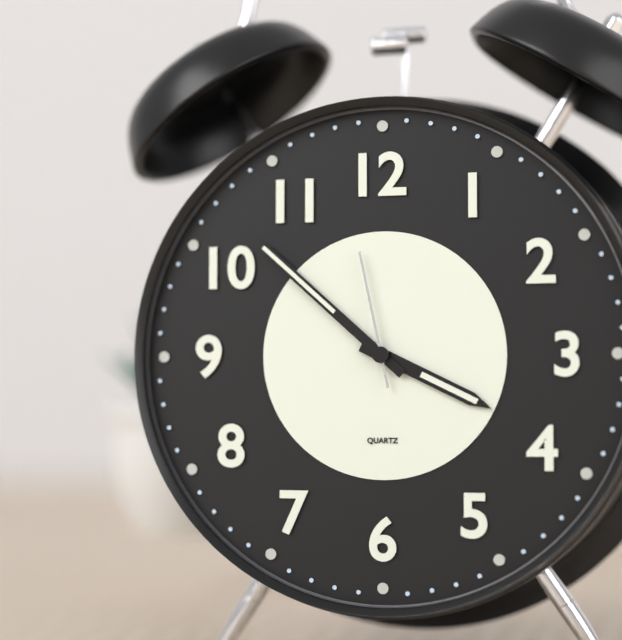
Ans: 3:52:58
